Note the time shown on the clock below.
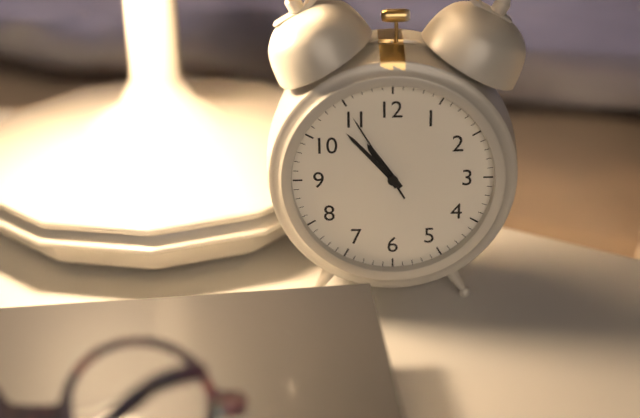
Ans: 10:53:55
